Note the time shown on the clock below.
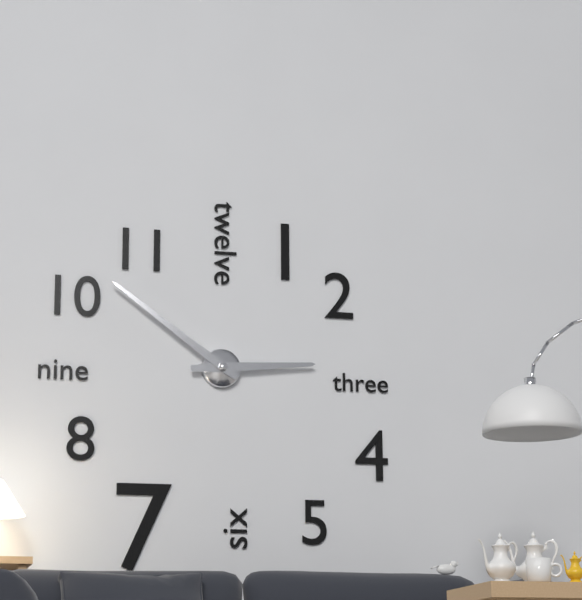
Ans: 2:51
